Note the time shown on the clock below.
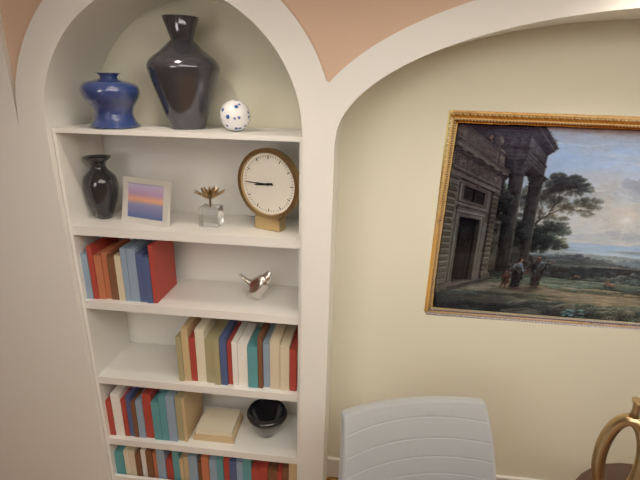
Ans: 8:45
